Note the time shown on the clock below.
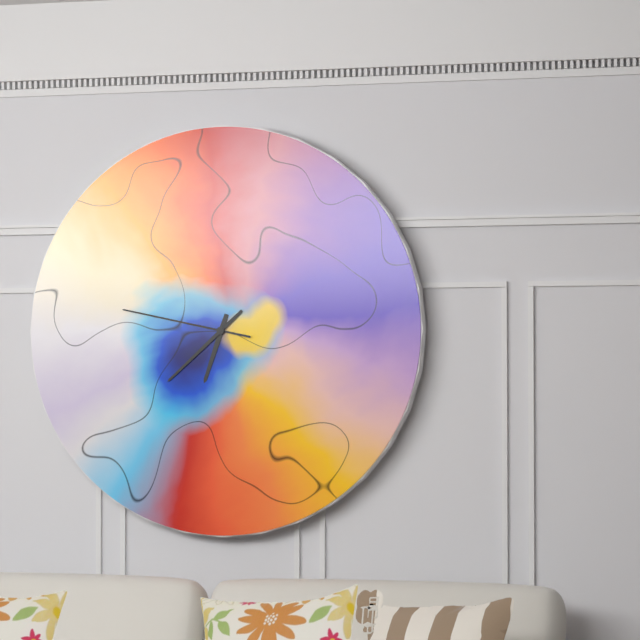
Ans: 6:38:47
